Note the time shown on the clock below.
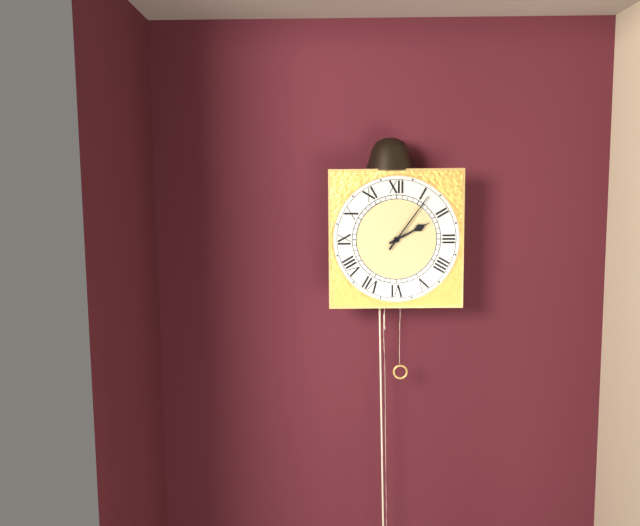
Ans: 2:06
